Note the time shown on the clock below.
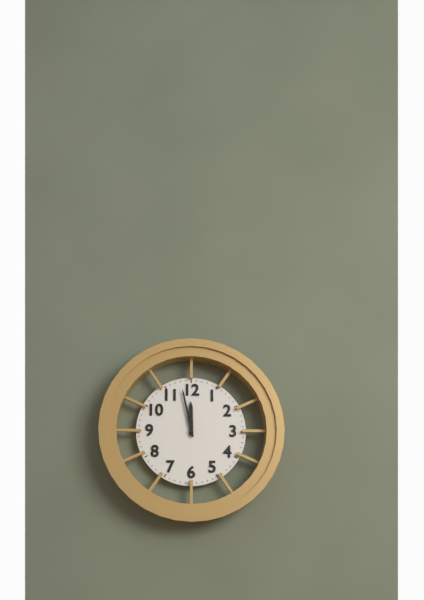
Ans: 11:58
